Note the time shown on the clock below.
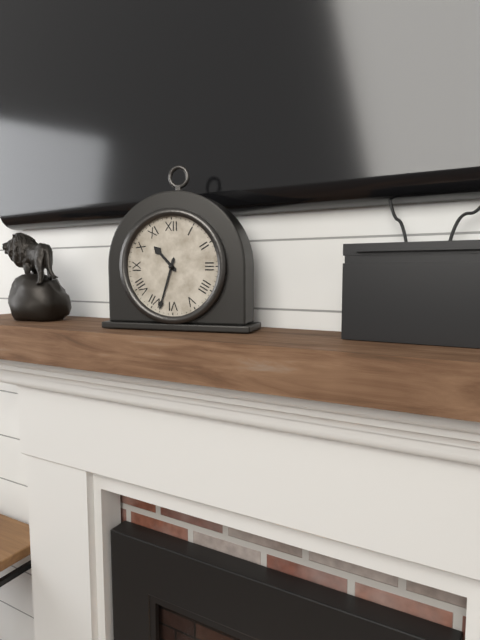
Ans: 10:33
